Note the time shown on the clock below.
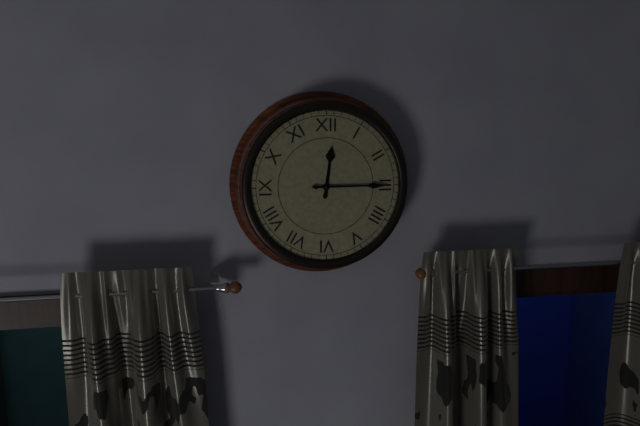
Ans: 12:15
